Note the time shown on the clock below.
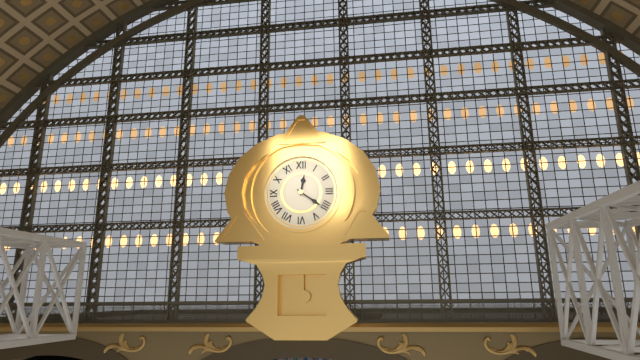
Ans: 12:21
